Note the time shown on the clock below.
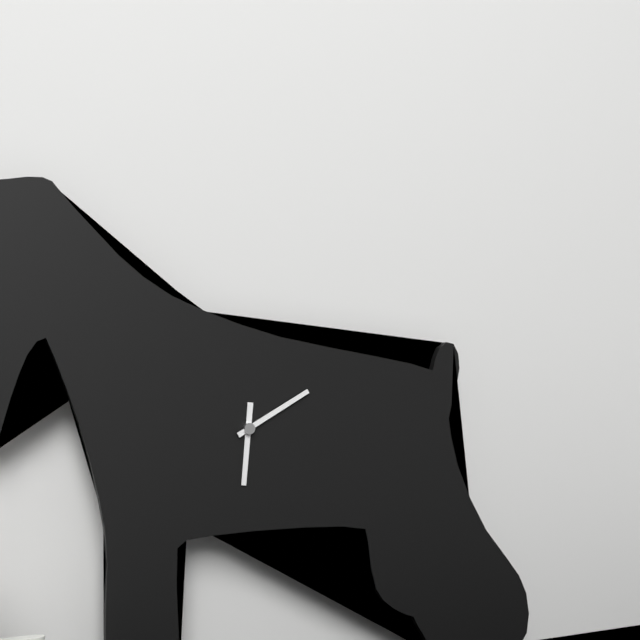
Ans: 6:10
